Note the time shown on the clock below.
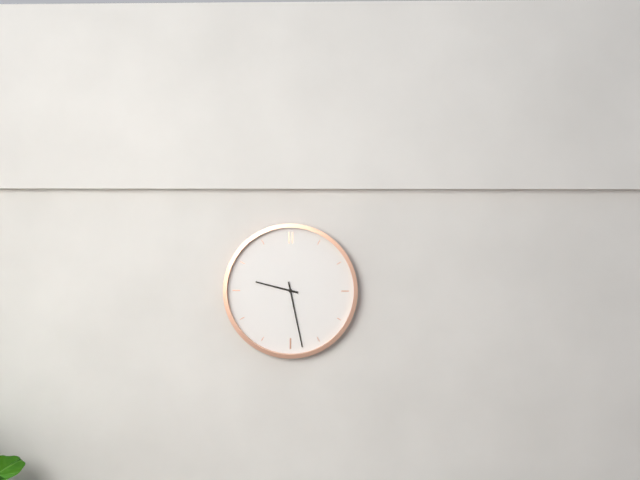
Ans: 9:28
